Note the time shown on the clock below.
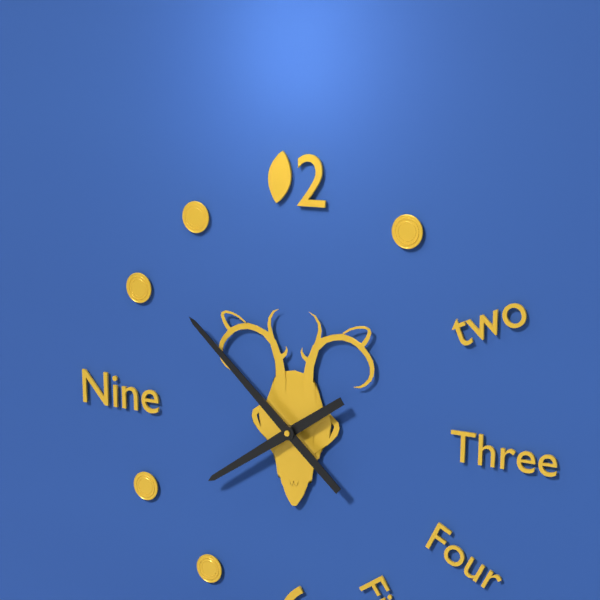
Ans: 7:52
